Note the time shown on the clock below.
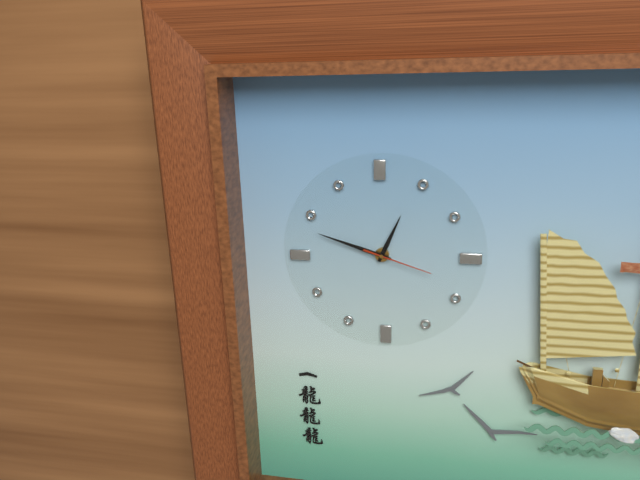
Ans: 12:48:18
